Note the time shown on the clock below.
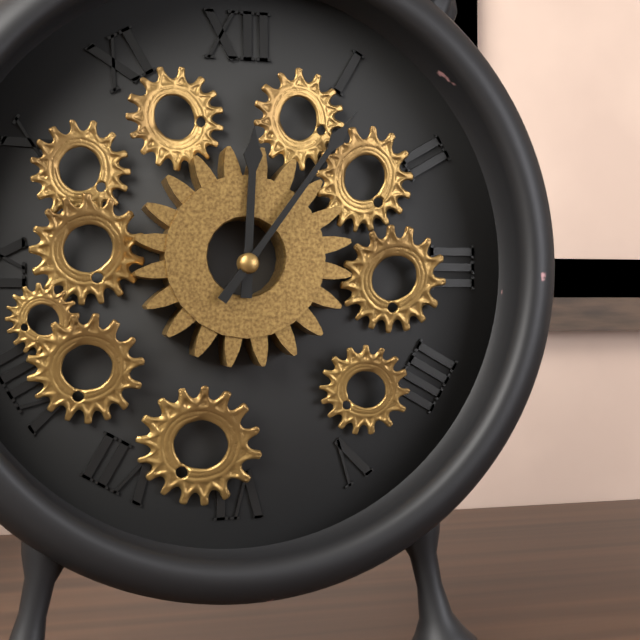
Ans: 12:06
